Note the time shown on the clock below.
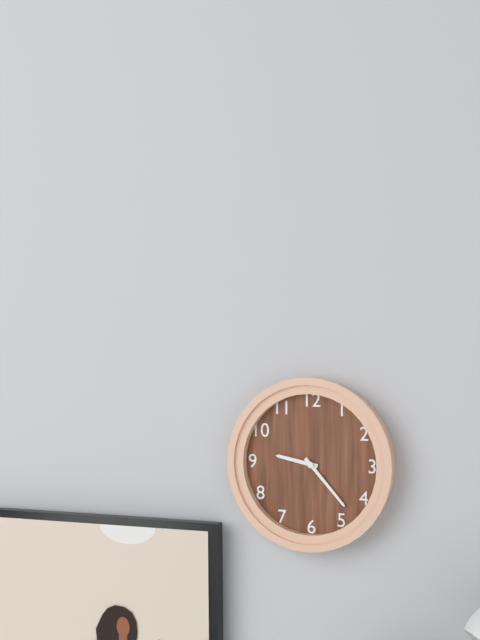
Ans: 9:23
